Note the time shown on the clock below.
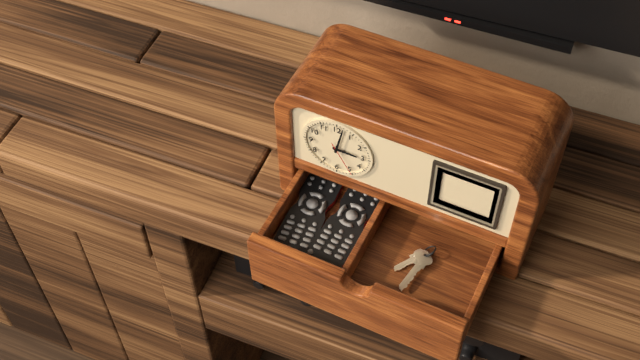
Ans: 3:02
